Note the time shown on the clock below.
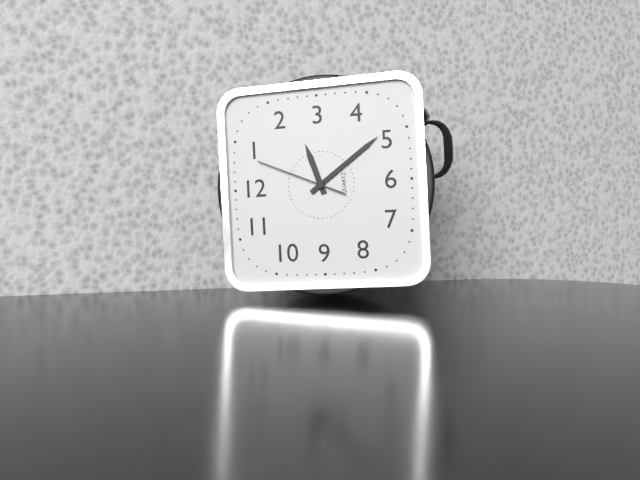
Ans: 2:24:04
